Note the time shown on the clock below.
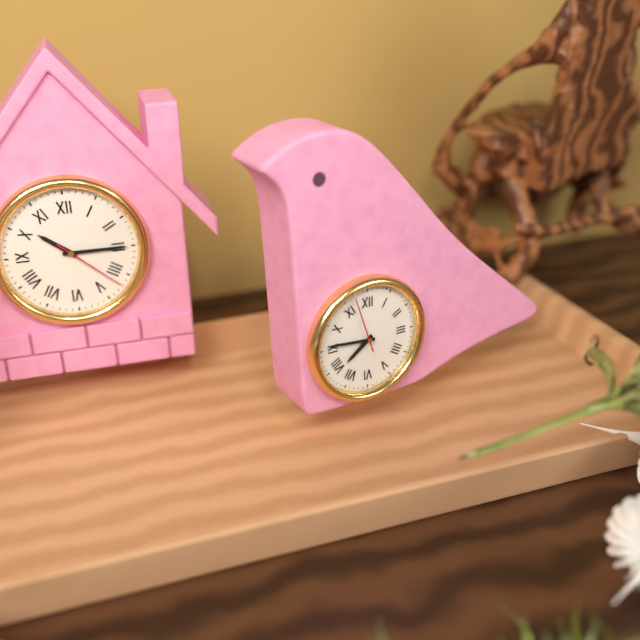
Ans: 7:46:57
